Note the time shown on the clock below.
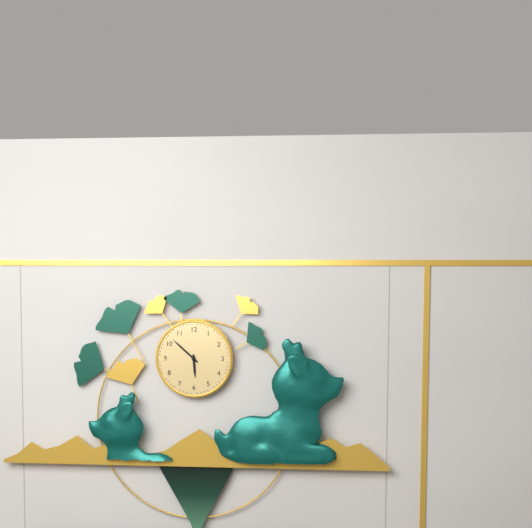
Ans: 5:52
